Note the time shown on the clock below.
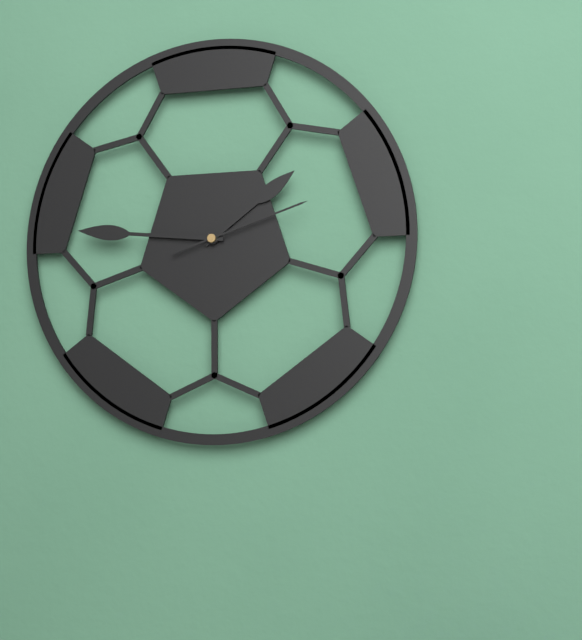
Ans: 1:46:12
